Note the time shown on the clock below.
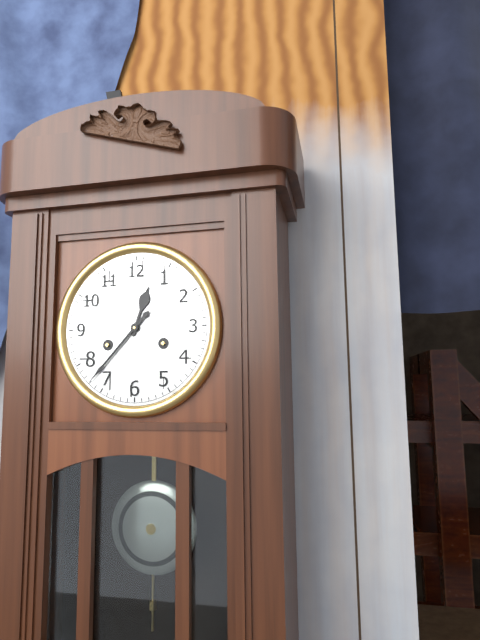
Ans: 12:37
